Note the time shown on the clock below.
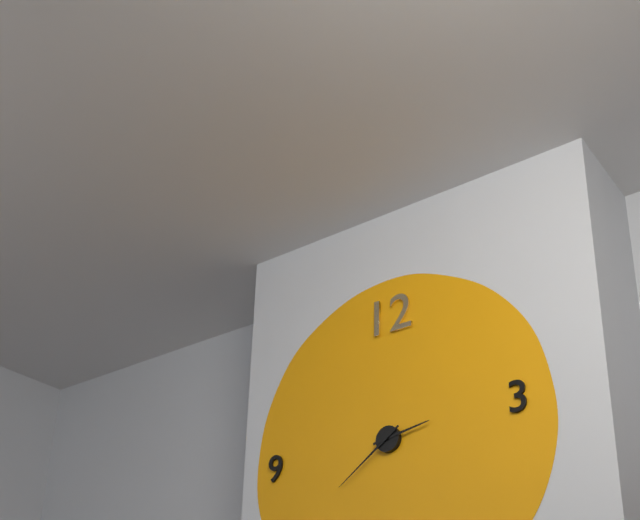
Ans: 2:39
